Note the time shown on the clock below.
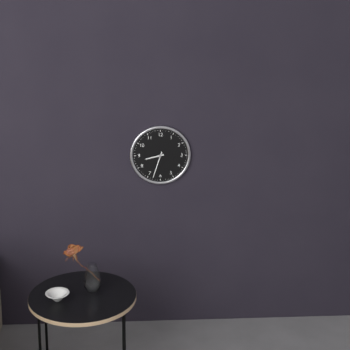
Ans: 8:33
